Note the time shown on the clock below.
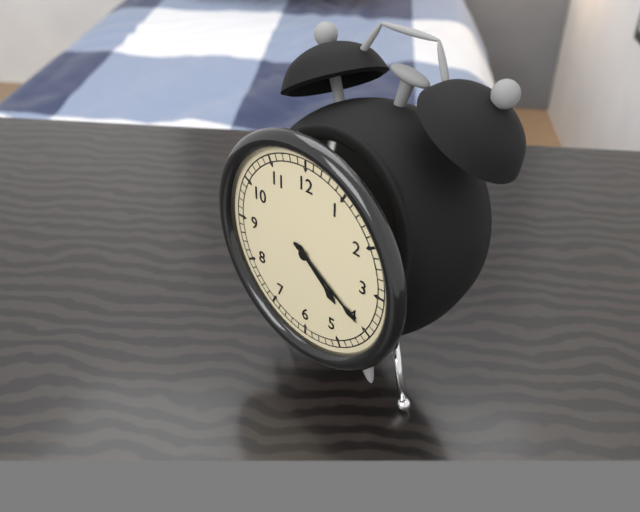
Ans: 4:20
